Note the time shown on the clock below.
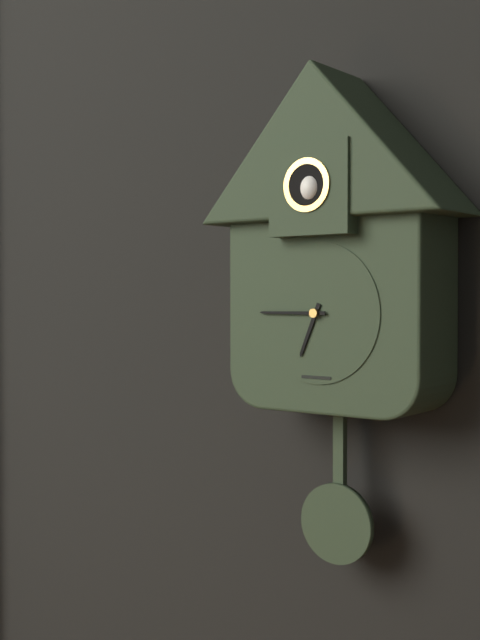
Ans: 6:45
